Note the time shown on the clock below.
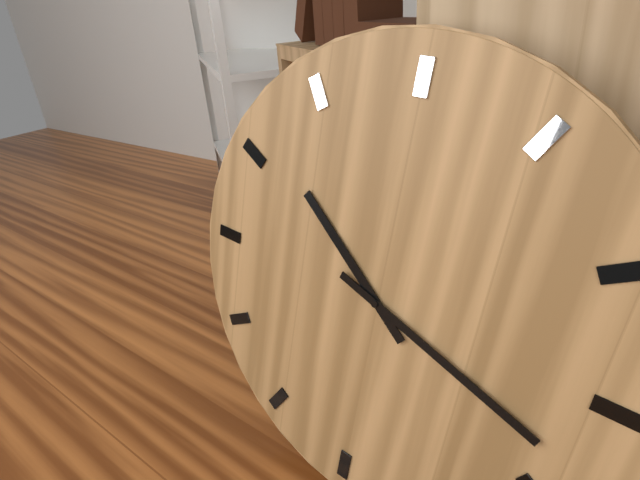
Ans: 10:18
